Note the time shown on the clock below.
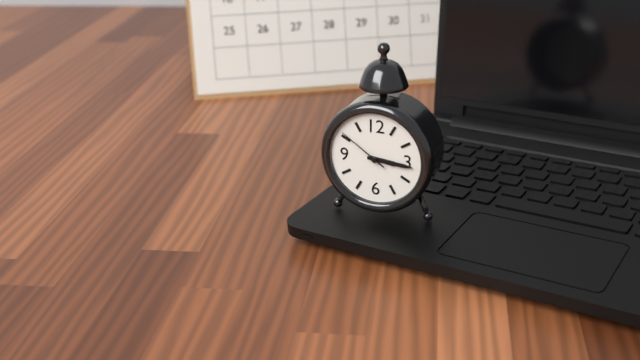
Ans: 3:16:51
